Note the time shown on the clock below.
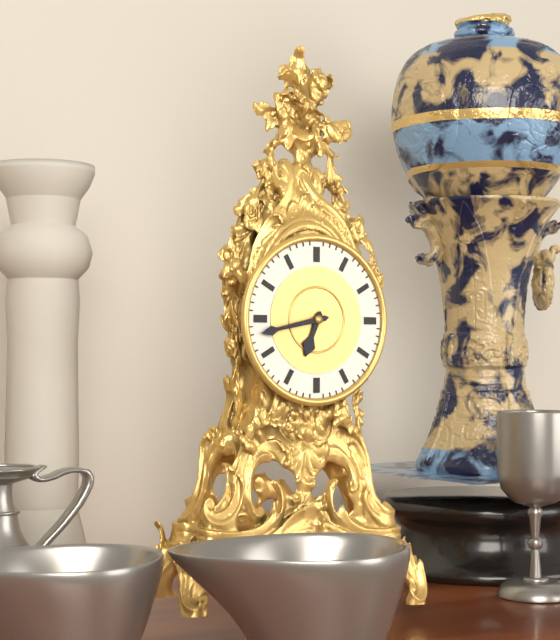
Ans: 6:43
